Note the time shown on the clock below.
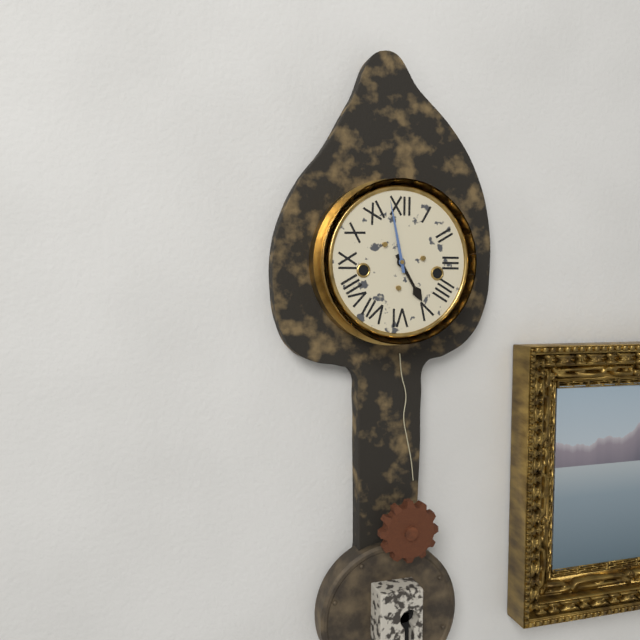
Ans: 4:58
